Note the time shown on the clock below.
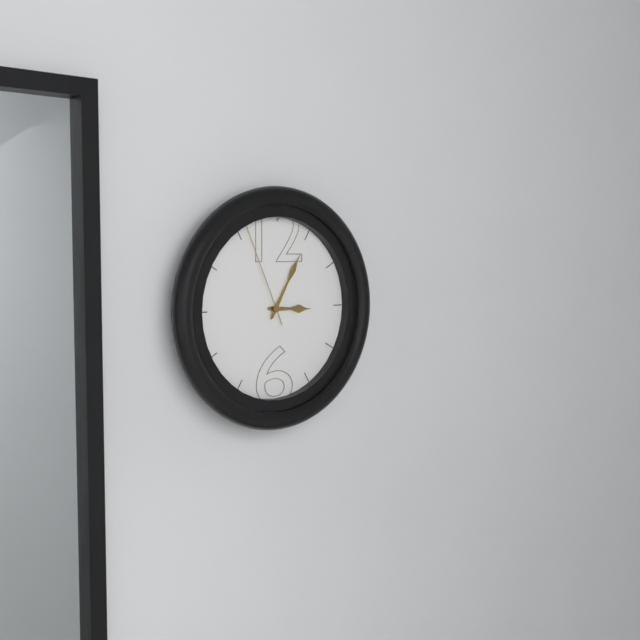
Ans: 3:05:56
